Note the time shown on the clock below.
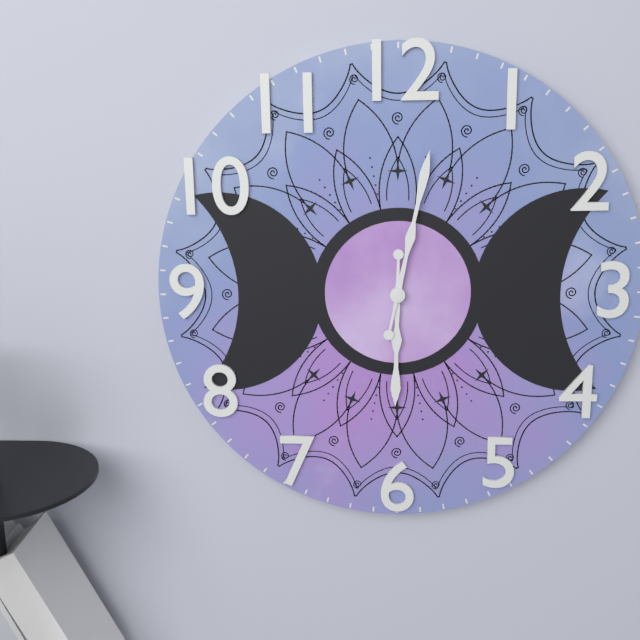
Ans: 6:02
